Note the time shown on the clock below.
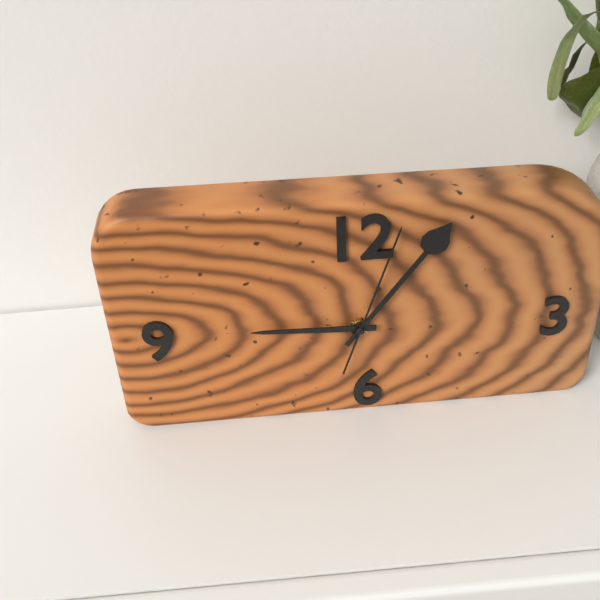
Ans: 9:06:03
